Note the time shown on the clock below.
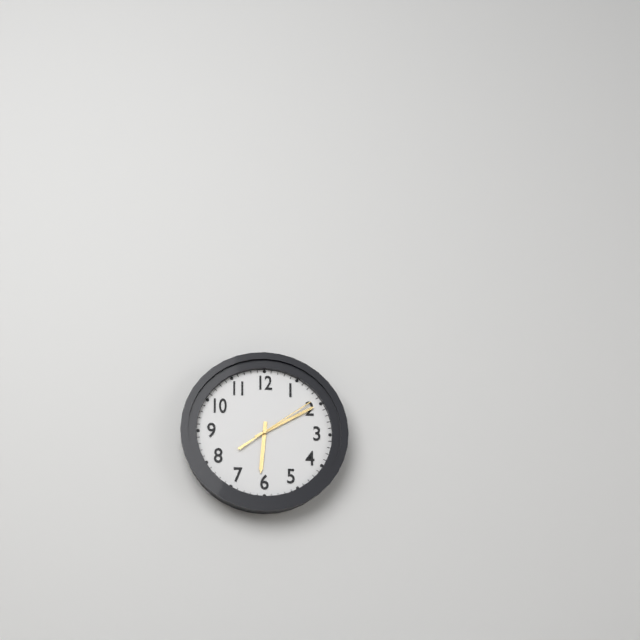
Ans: 6:10:09
